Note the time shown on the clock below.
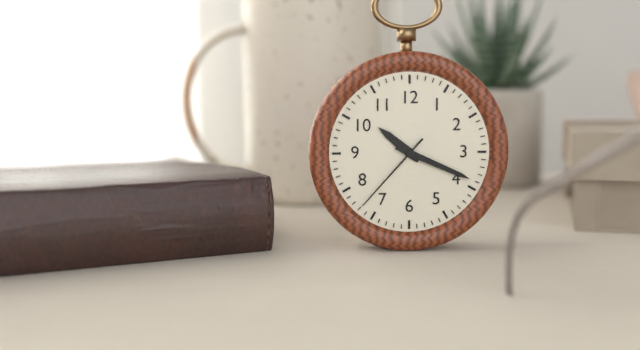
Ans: 10:19:37
